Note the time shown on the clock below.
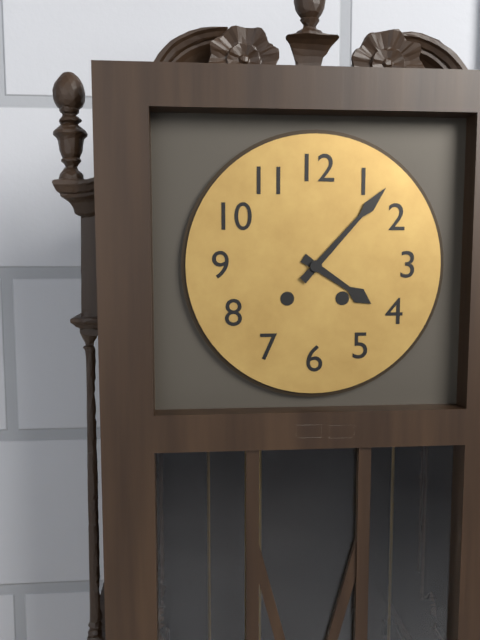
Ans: 4:07
